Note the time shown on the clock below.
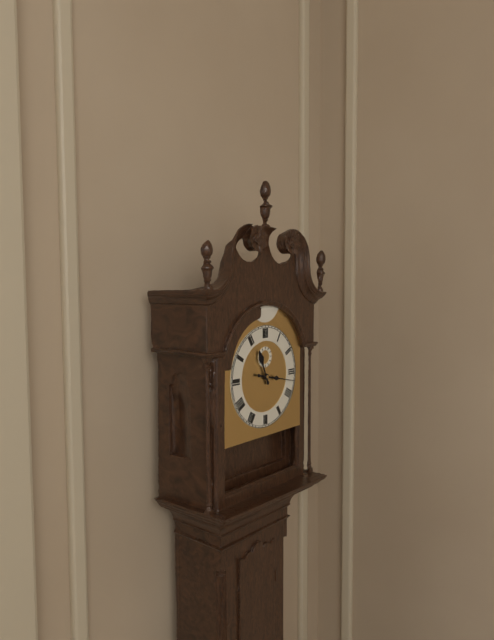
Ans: 11:17
